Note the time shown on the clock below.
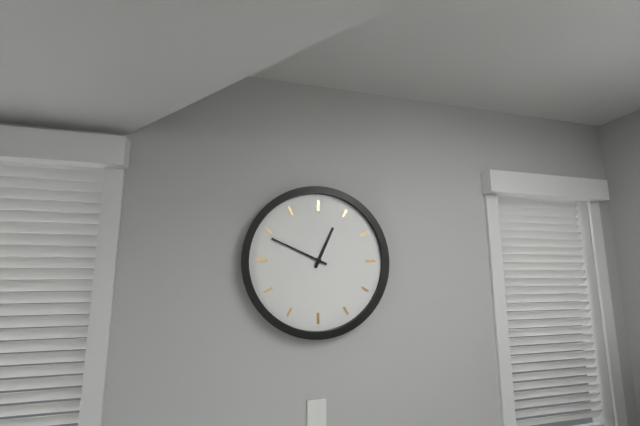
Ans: 12:49
